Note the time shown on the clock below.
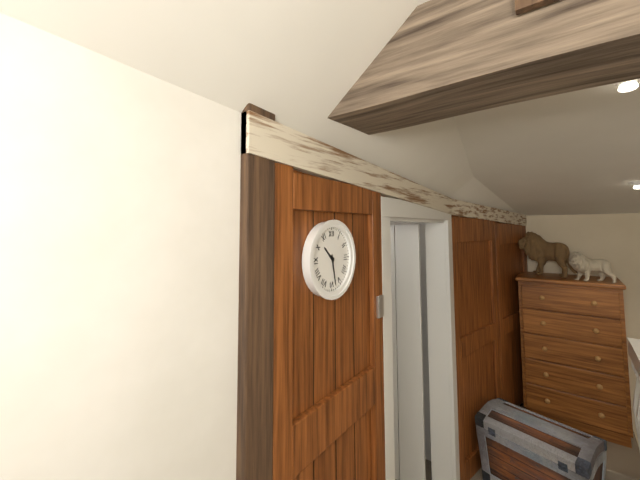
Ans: 10:28
